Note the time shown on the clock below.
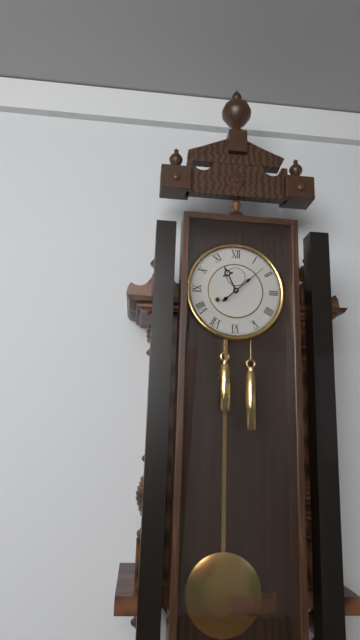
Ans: 11:08
